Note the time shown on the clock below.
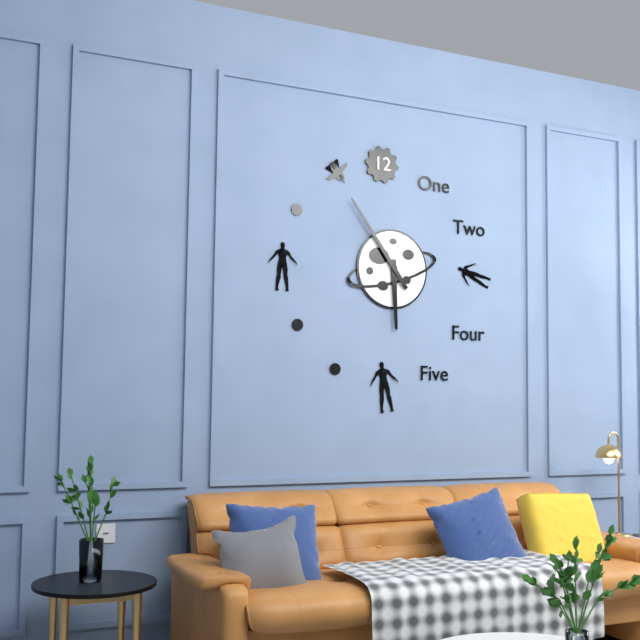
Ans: 5:54
